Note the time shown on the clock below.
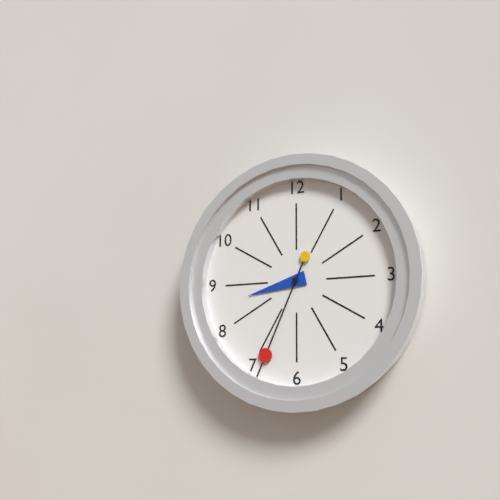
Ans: 8:34
